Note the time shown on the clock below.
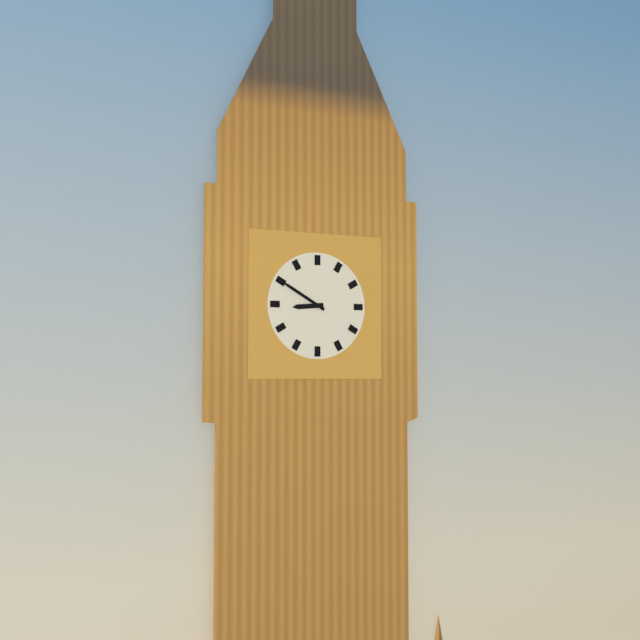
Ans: 8:50
